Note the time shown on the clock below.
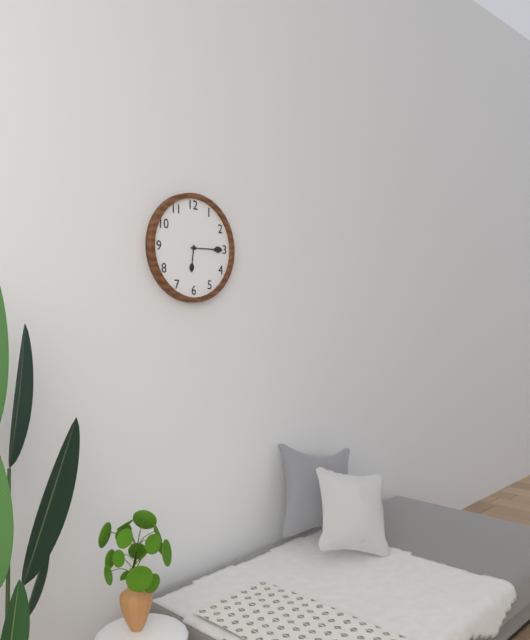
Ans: 6:15
